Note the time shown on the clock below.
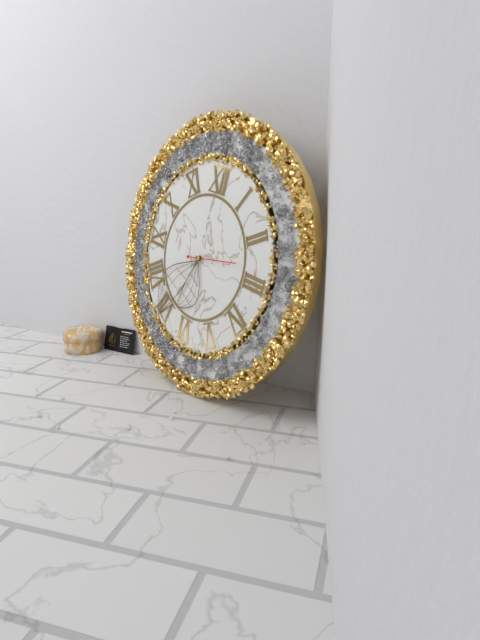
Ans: 6:35
